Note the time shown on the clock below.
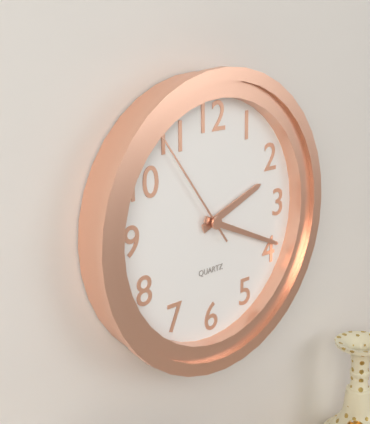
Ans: 2:19:54
